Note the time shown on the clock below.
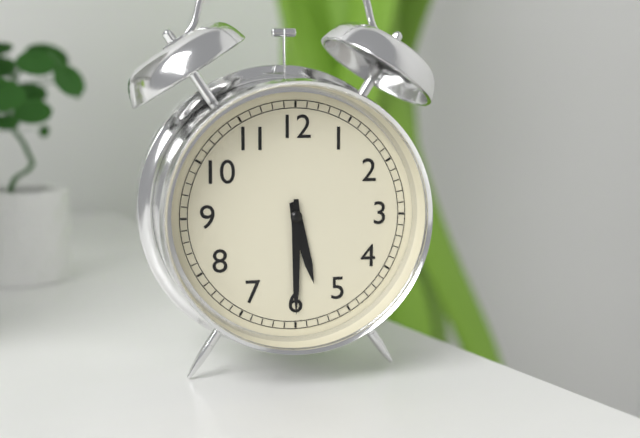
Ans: 5:30
